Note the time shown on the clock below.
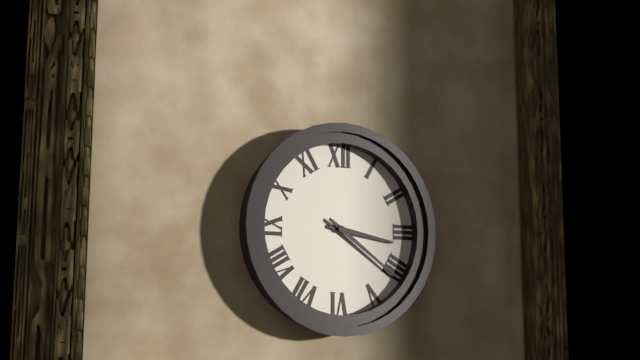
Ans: 3:21
